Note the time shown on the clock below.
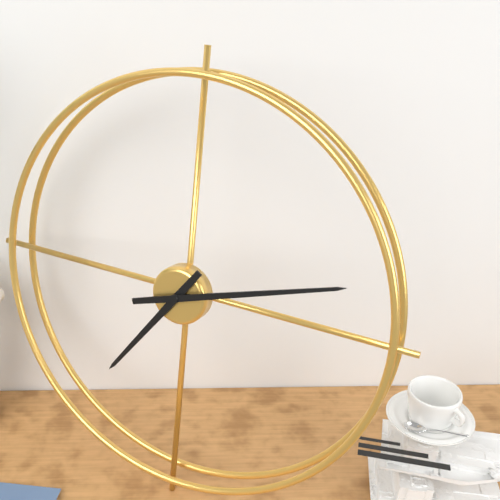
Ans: 7:12
